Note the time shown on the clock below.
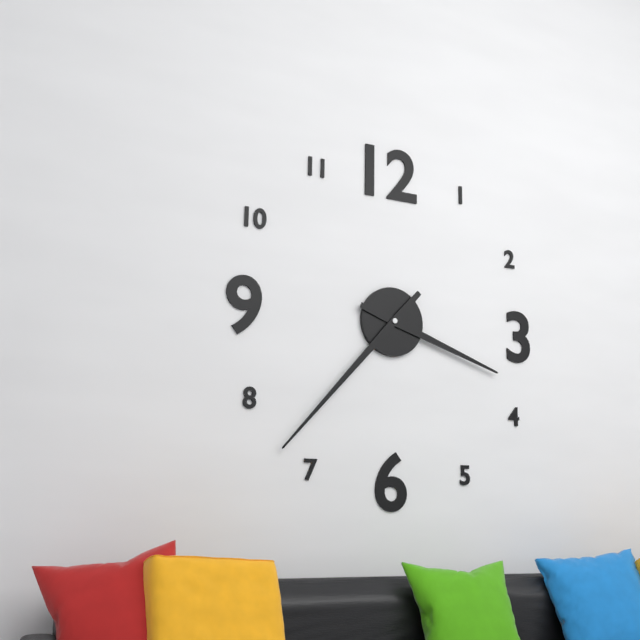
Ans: 3:37
